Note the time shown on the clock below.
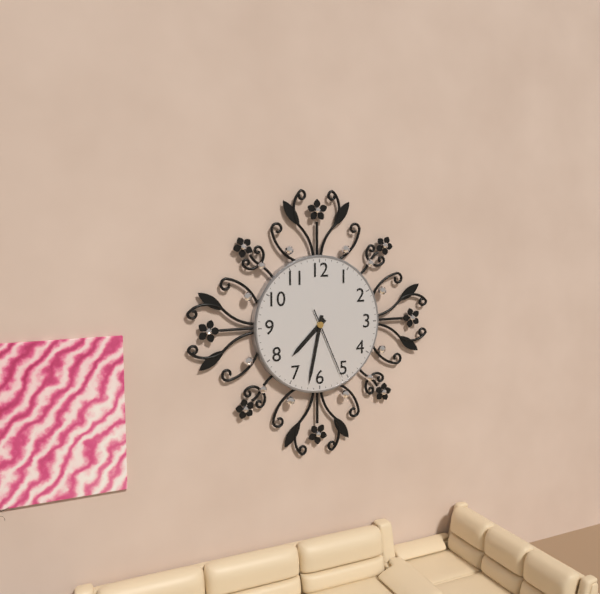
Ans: 7:32:26
